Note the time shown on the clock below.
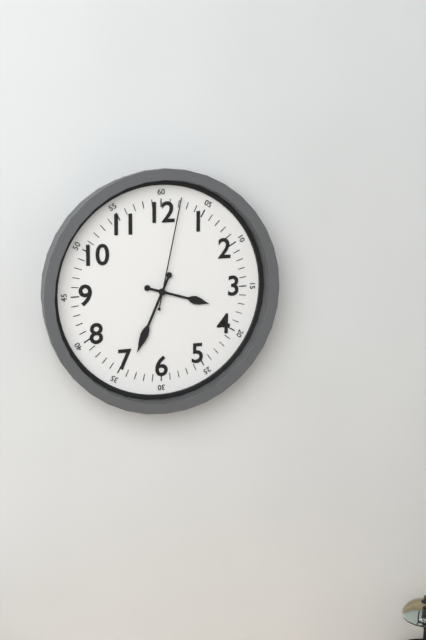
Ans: 3:34:02
